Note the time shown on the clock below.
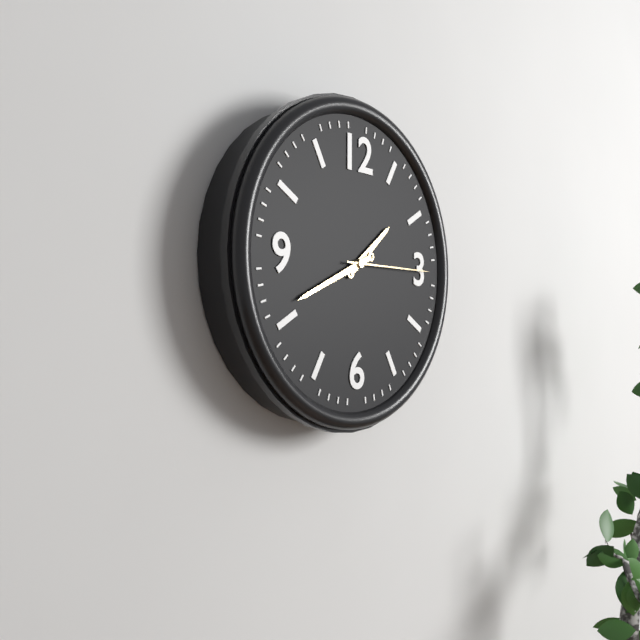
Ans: 1:41:15
